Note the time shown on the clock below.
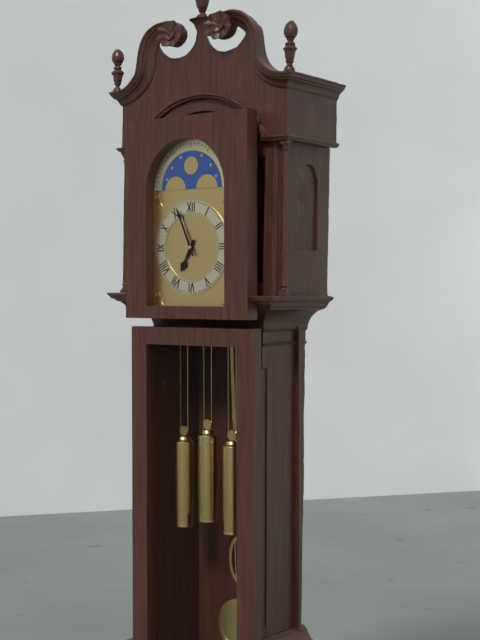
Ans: 6:56
